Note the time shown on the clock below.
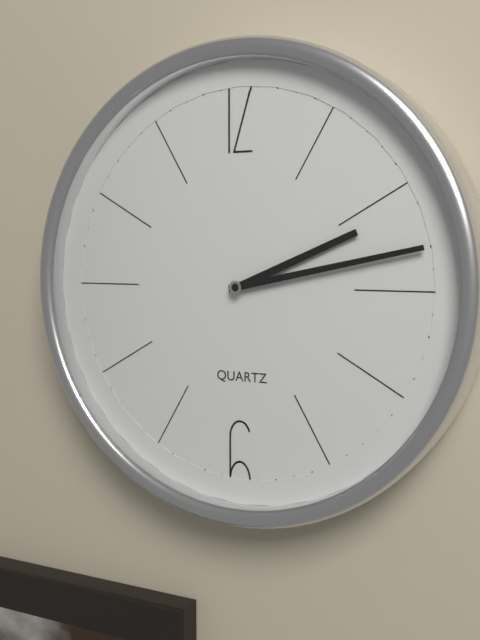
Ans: 2:13
